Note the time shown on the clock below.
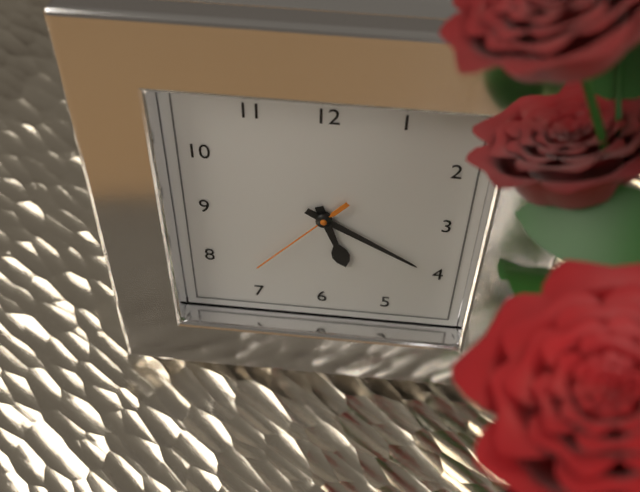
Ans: 5:20:37
